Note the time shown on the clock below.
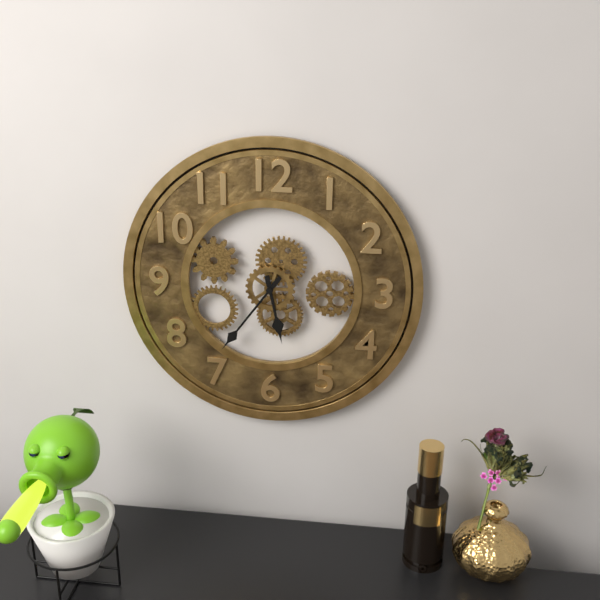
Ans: 5:36
